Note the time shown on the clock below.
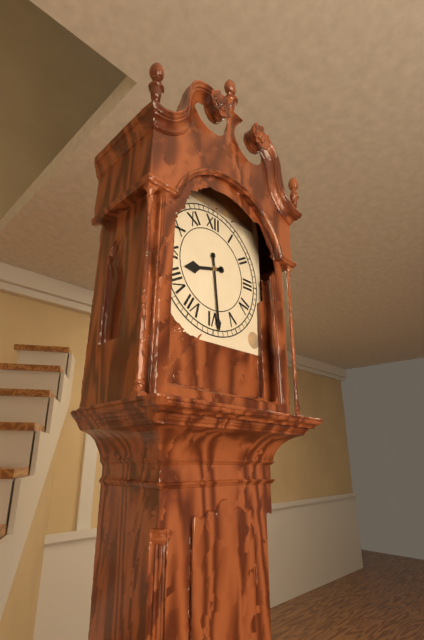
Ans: 8:29
